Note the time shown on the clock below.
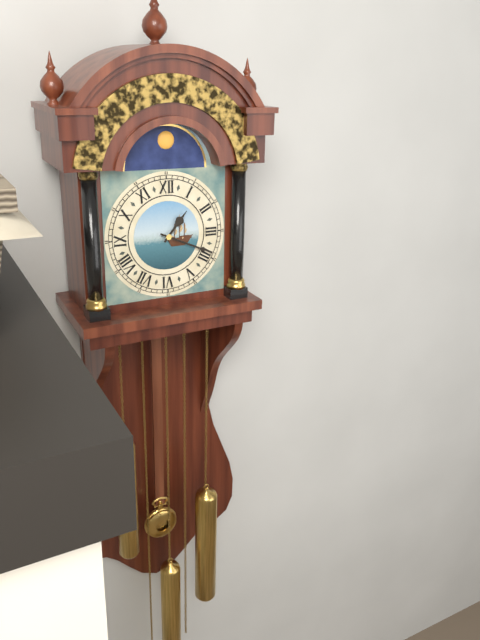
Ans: 1:19
